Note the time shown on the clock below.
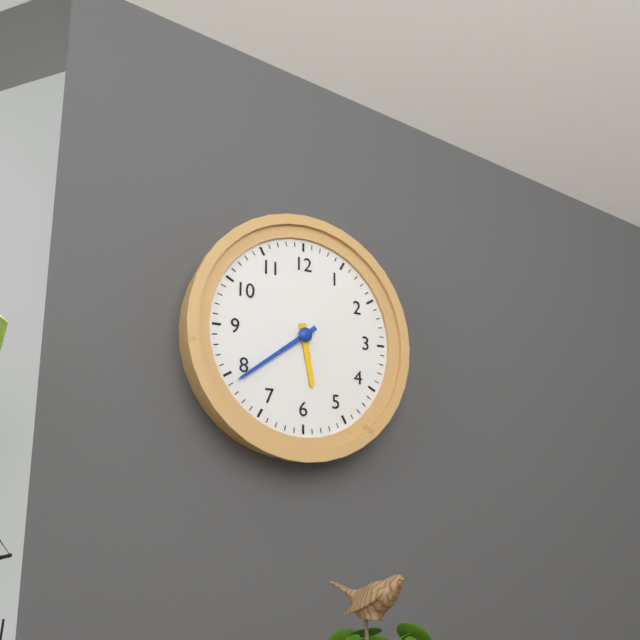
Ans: 5:39
